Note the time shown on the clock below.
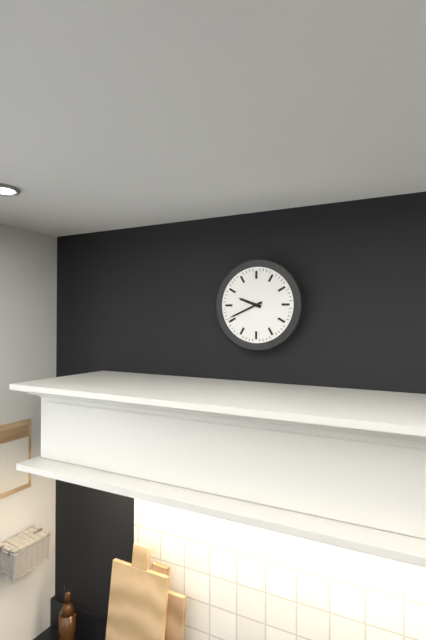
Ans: 9:41
